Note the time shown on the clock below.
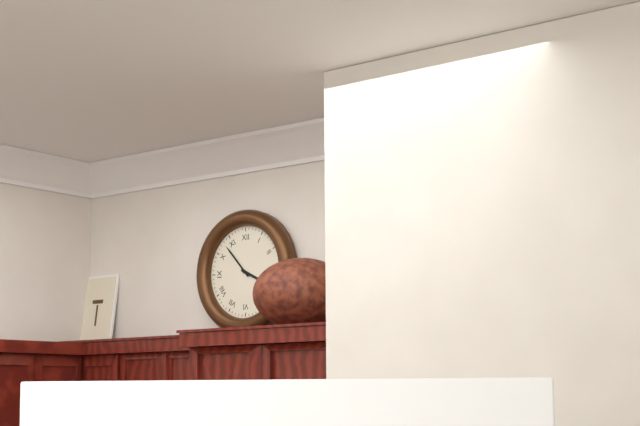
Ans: 3:53
